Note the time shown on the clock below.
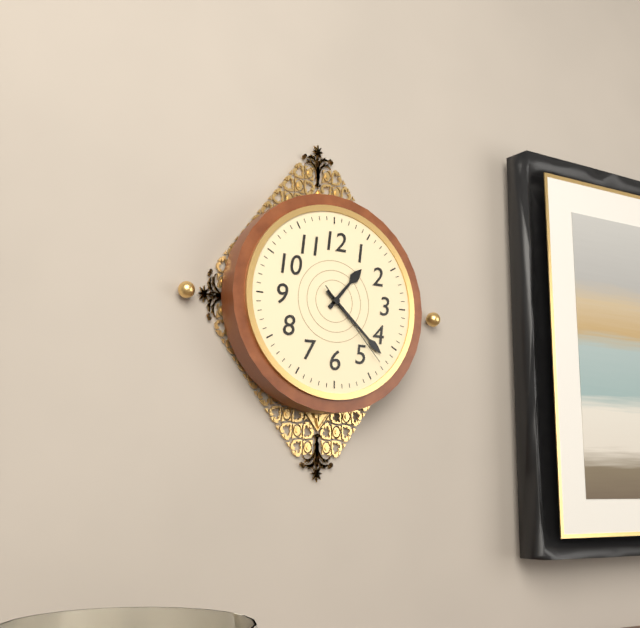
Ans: 1:22:23
